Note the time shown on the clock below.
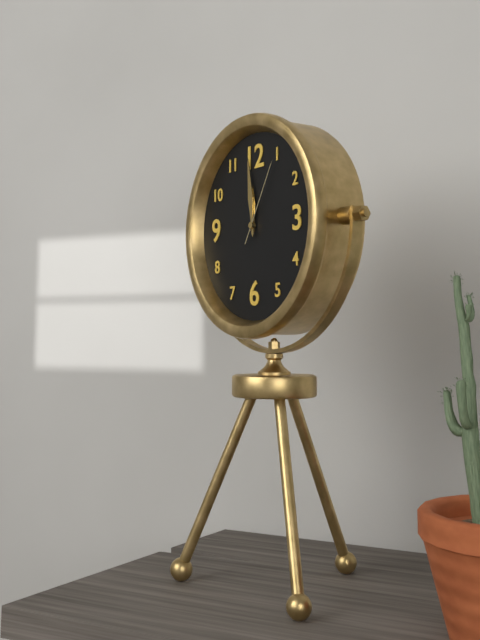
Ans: 11:59:05
